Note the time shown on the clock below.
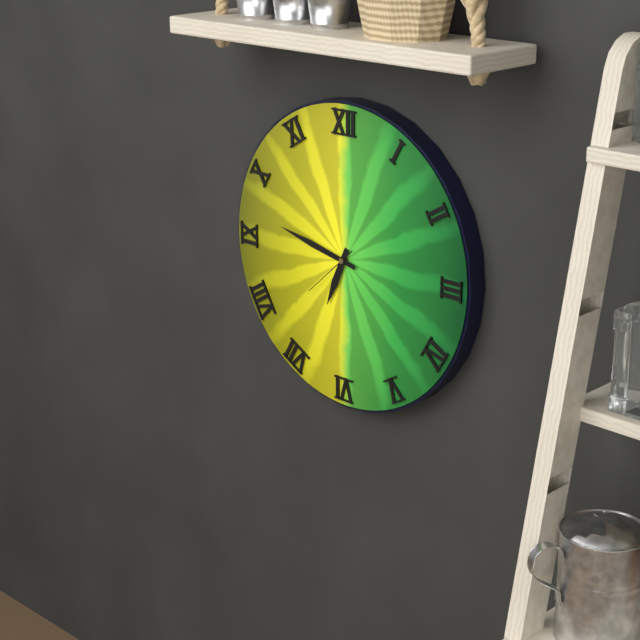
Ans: 6:47:38
